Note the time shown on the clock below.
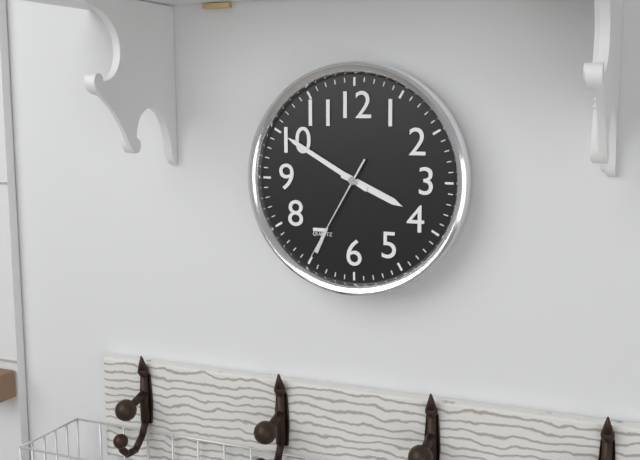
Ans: 3:50:35
